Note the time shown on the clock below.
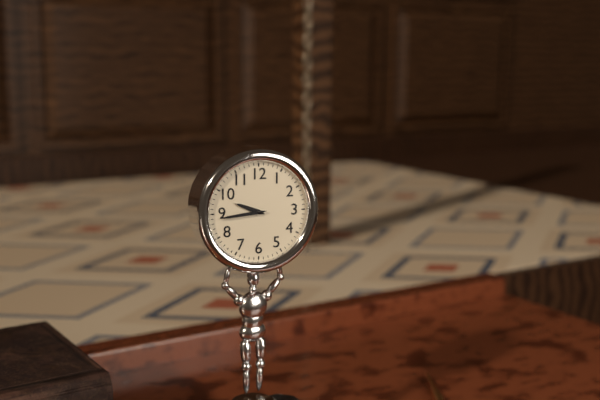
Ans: 9:44
